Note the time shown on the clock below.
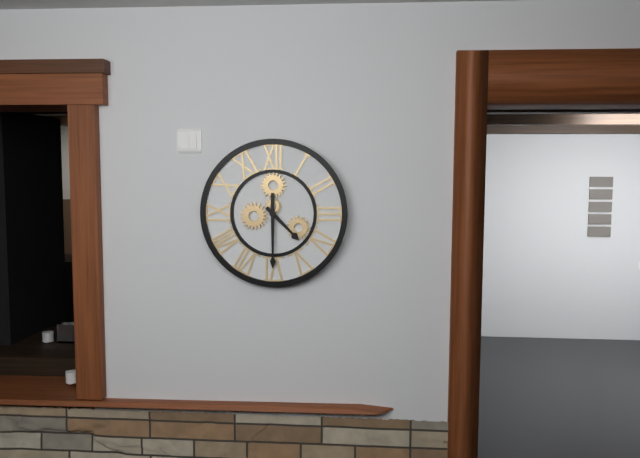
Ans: 4:30
